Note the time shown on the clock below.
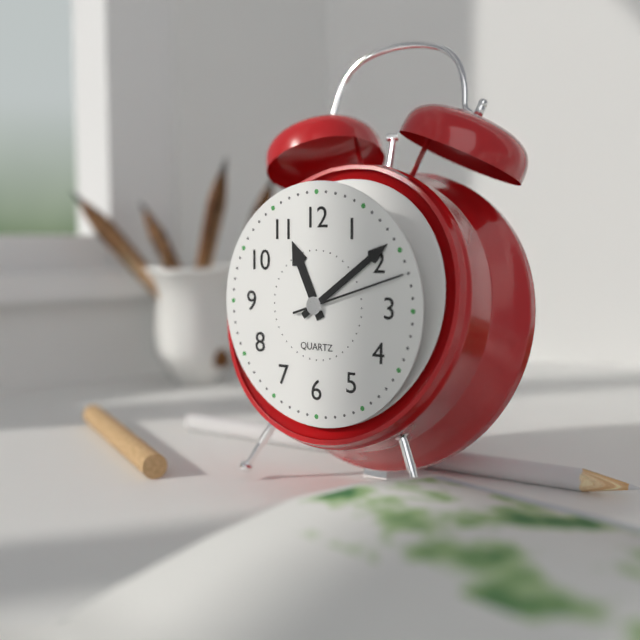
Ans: 11:09:12
